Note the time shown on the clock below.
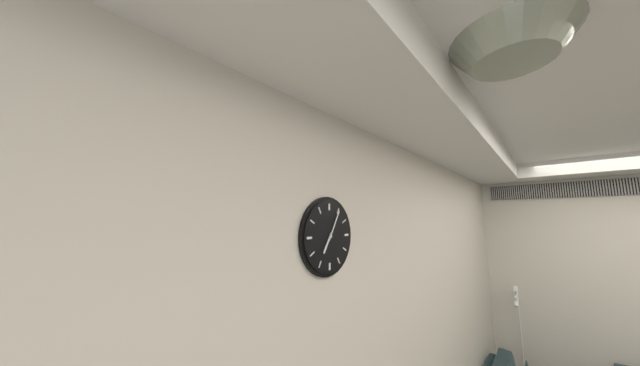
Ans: 7:05
